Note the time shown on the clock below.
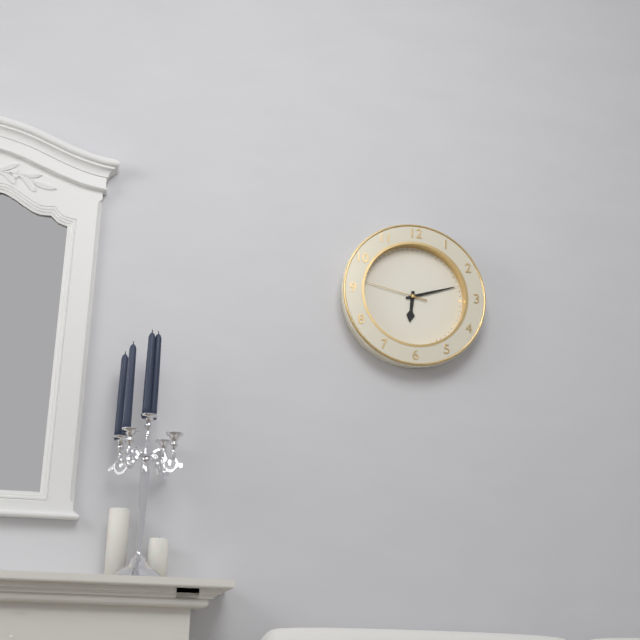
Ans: 6:12:47
